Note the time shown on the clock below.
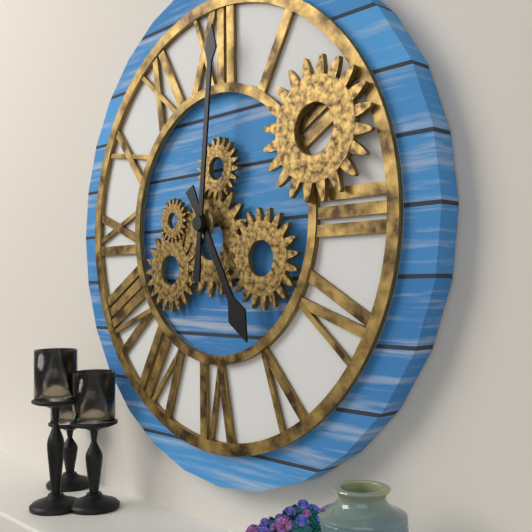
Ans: 5:01
